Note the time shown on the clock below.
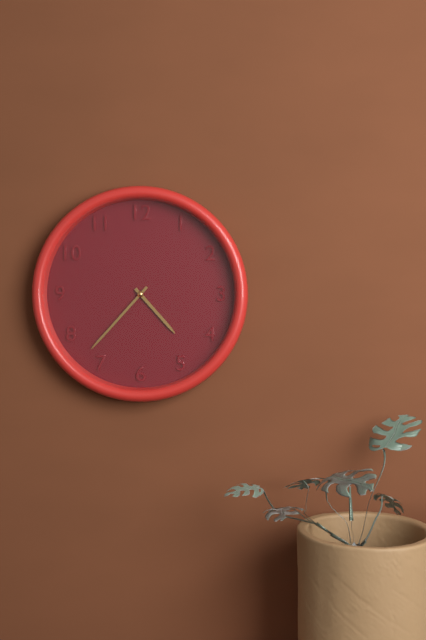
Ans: 4:37
